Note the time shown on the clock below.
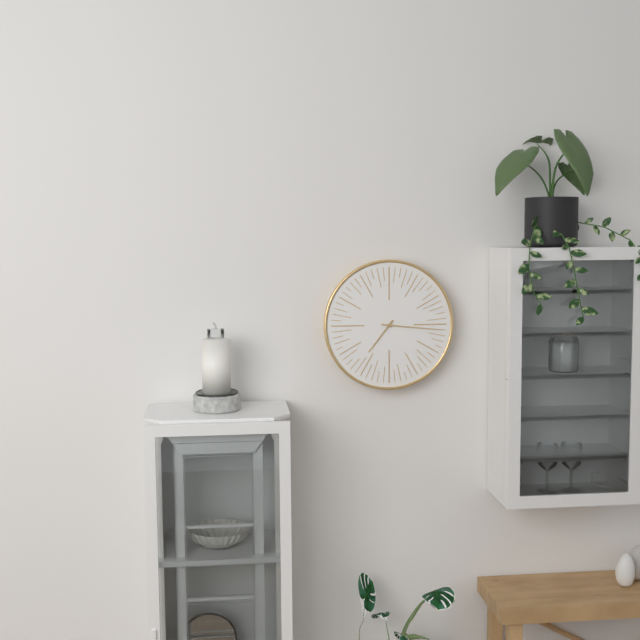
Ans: 7:16
